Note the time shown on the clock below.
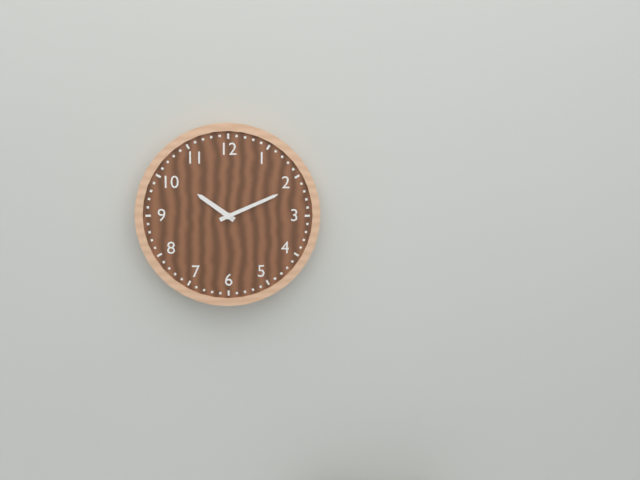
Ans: 10:11
